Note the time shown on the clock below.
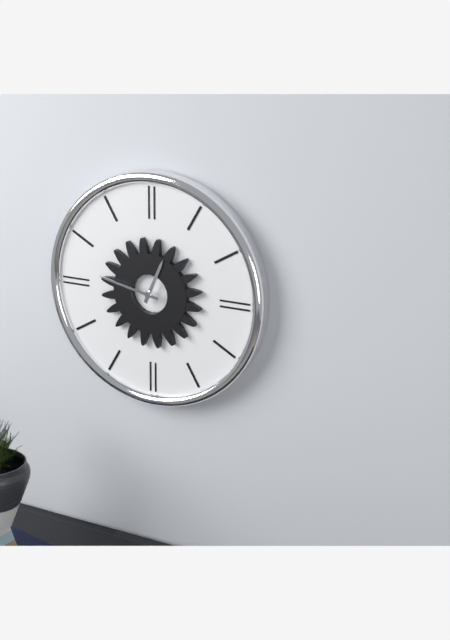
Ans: 12:47
